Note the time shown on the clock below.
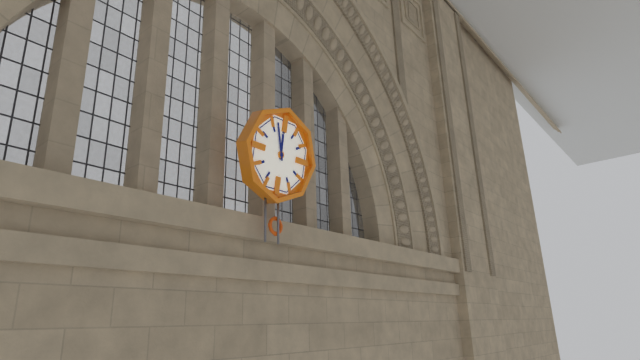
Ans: 11:57
